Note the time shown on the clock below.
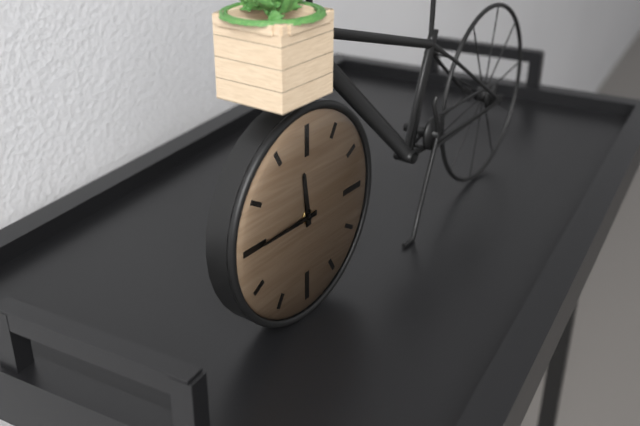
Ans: 11:45
